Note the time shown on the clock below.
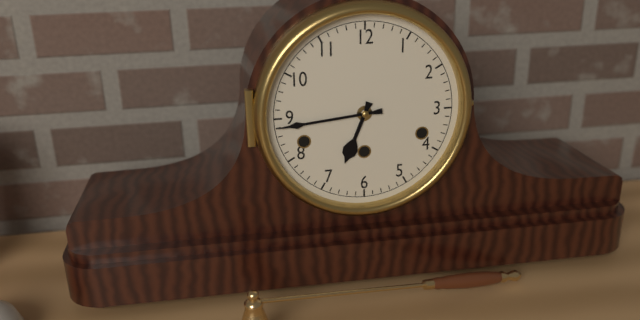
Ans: 6:44
